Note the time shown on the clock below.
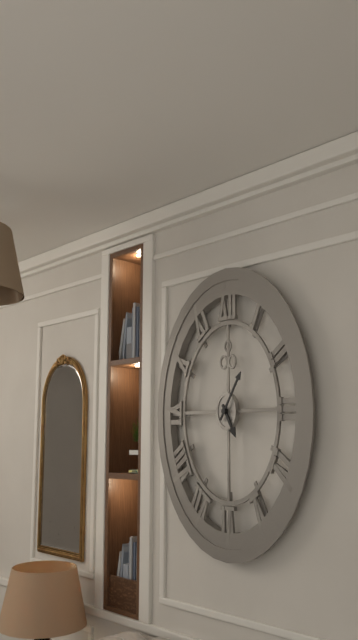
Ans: 5:05
